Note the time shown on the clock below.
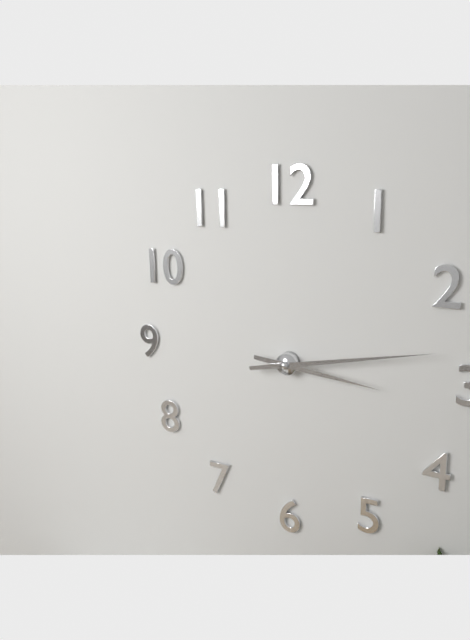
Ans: 3:13
